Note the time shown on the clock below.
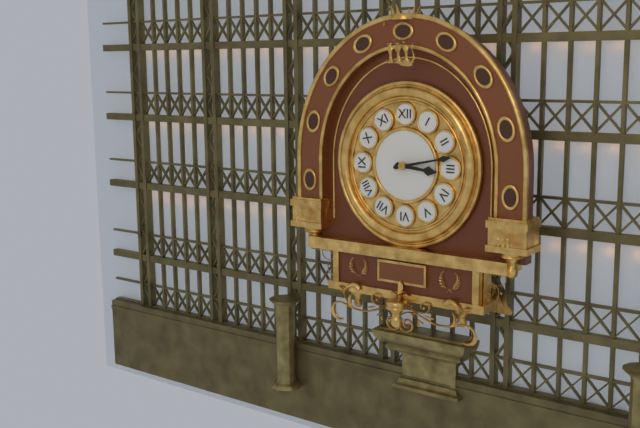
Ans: 3:13
